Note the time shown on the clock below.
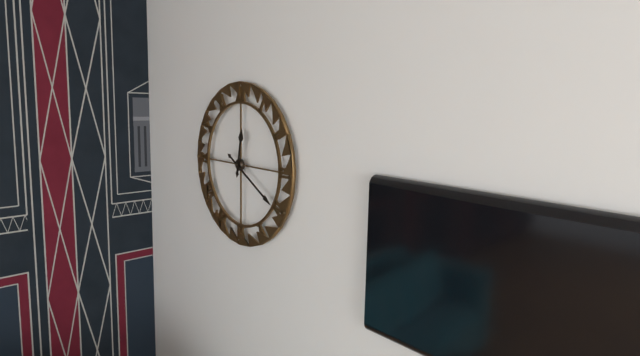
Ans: 12:20
